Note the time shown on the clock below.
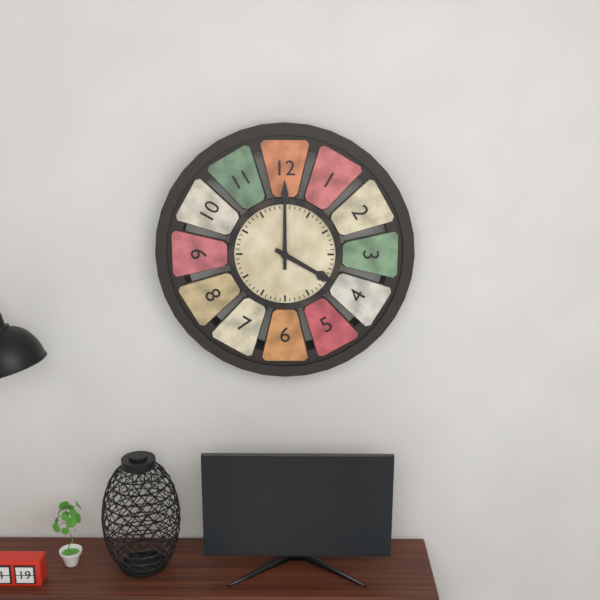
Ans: 4:00
